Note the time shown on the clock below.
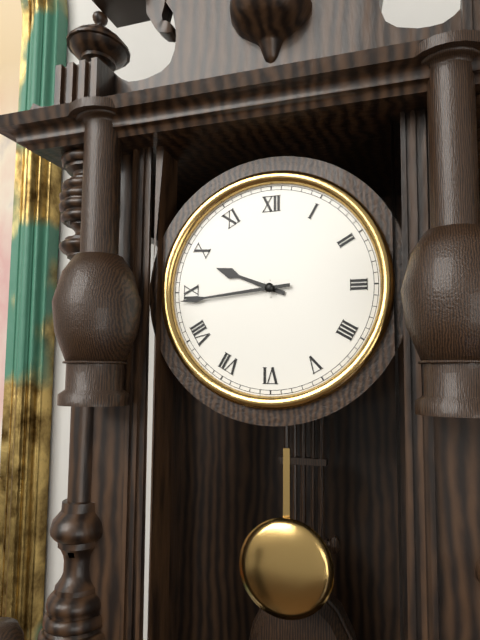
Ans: 9:44
